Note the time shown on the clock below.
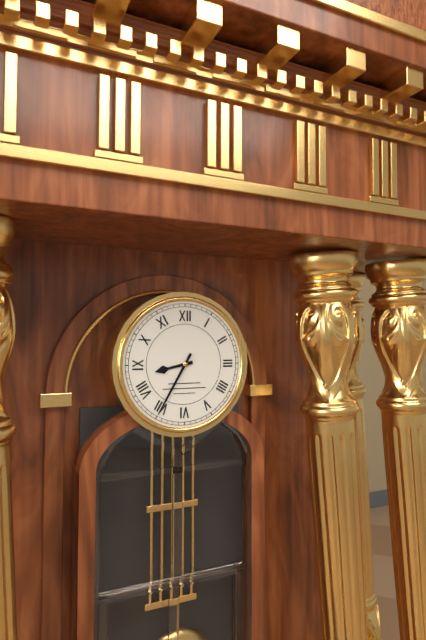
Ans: 8:35
